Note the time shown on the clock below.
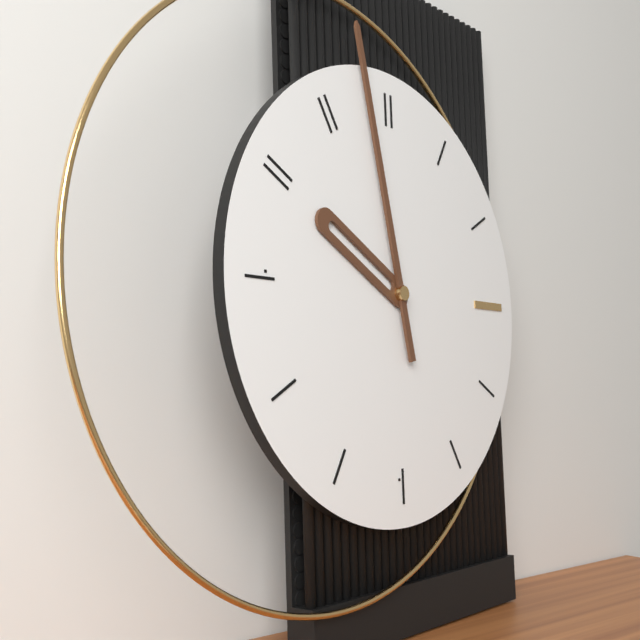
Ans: 9:58
